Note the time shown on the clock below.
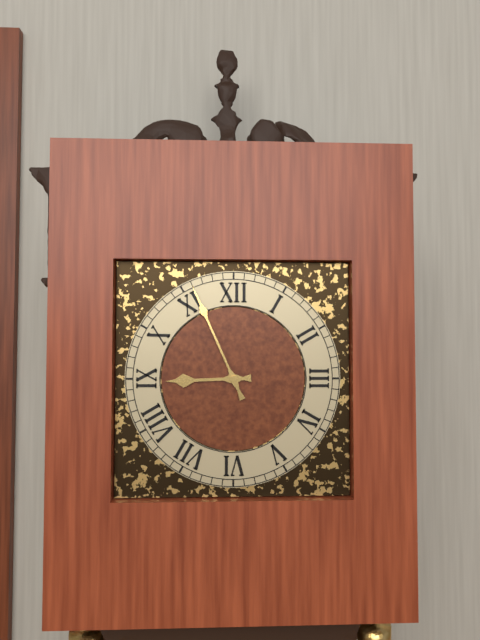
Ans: 8:56
